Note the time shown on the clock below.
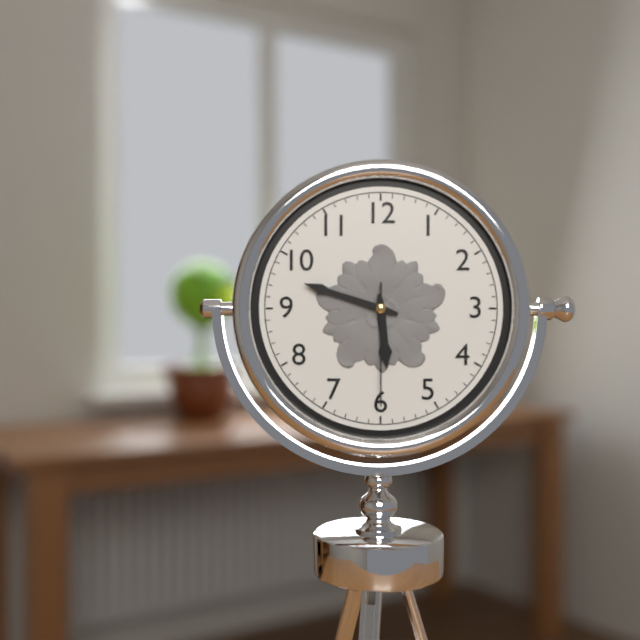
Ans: 5:48:30
